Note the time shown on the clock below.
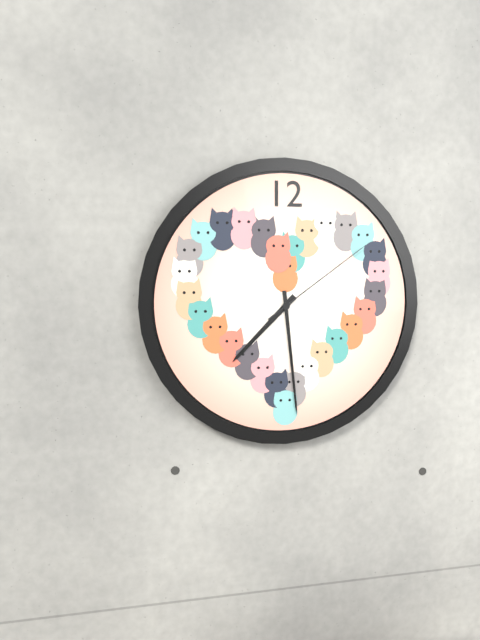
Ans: 7:29:09
